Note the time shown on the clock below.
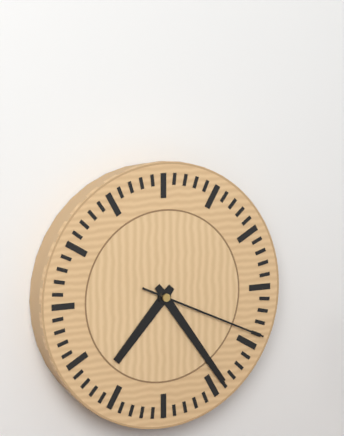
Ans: 7:24:19
